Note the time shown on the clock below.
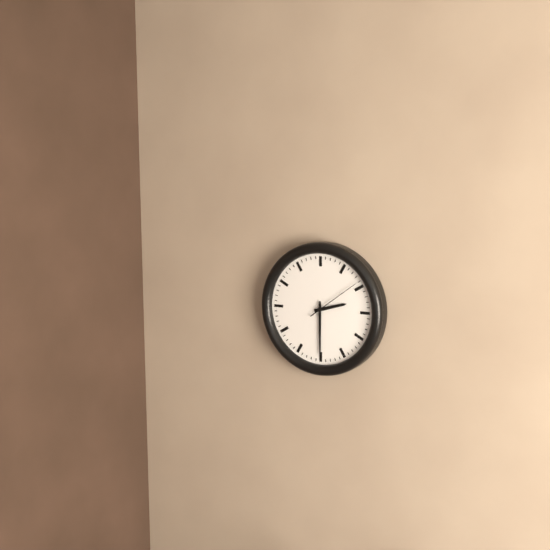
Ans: 2:30:09
